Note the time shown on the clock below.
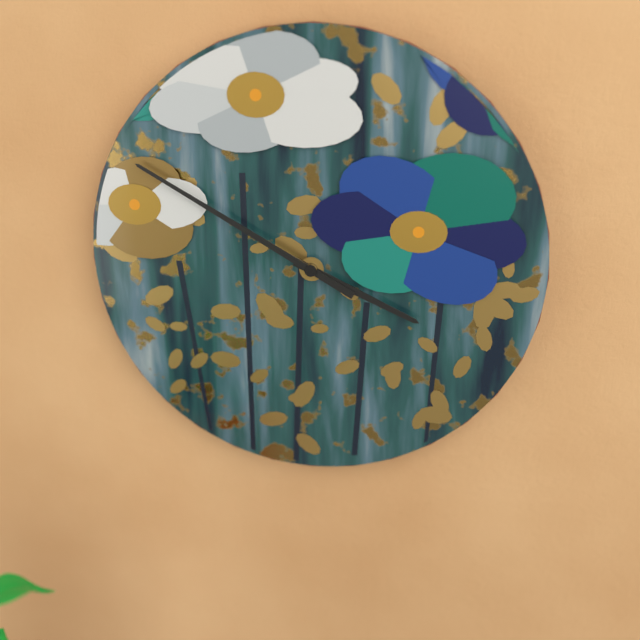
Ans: 3:50
